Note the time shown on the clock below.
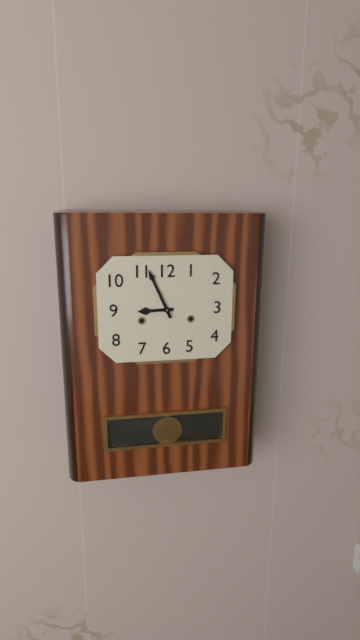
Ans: 8:56
